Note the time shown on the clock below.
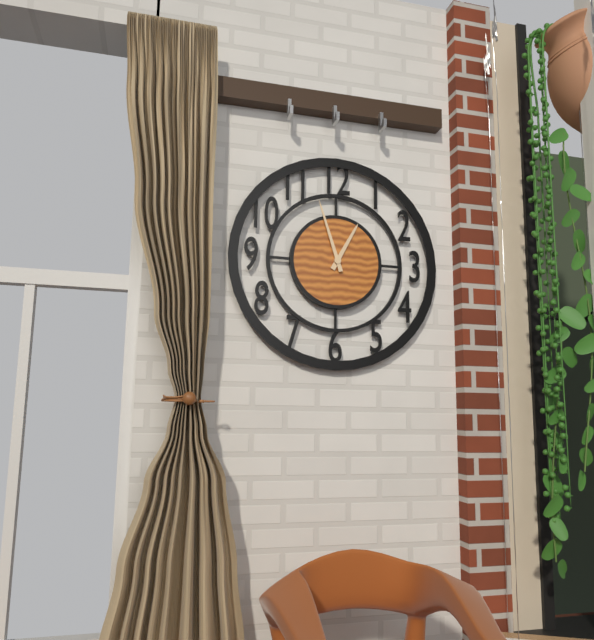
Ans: 12:57
